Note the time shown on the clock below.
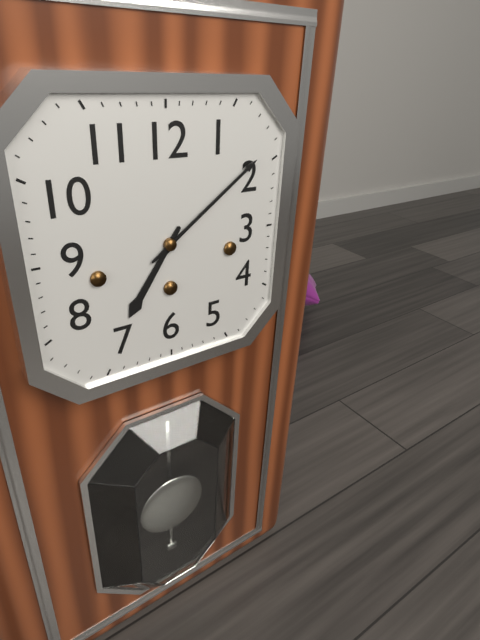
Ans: 7:09
